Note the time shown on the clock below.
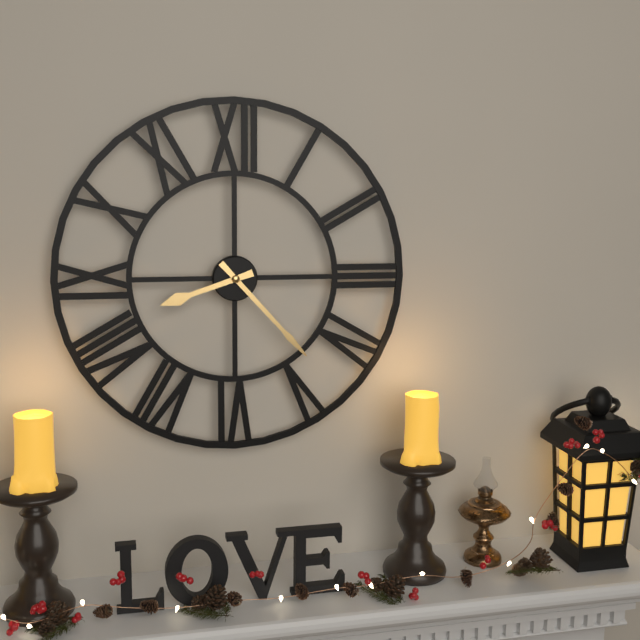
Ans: 8:23
